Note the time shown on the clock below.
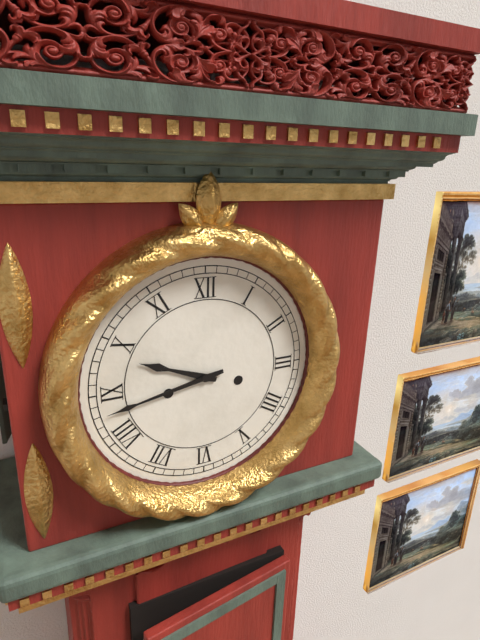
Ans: 9:43
